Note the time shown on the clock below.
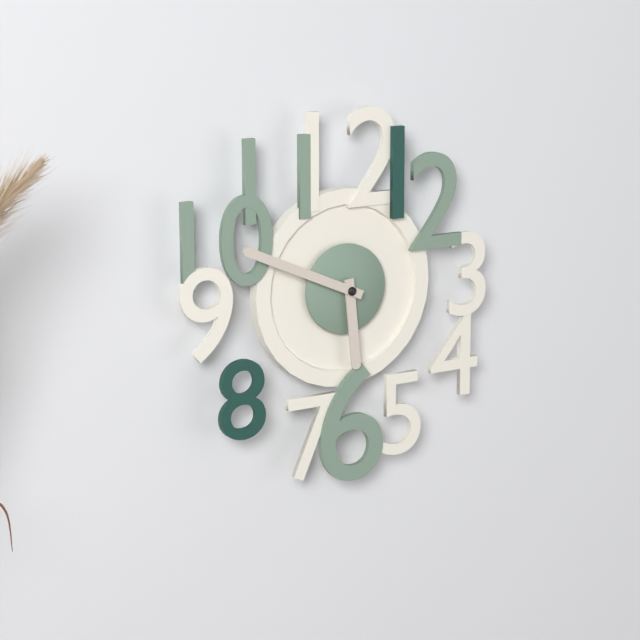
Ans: 5:49
